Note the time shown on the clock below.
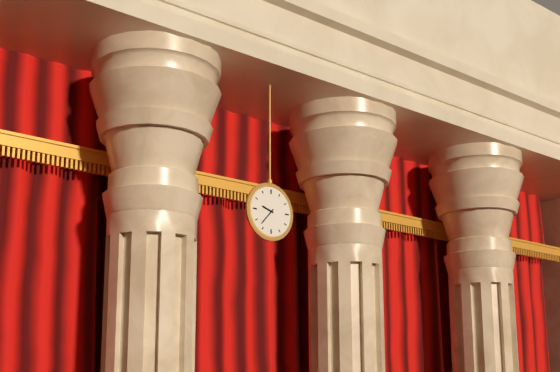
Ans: 9:37
